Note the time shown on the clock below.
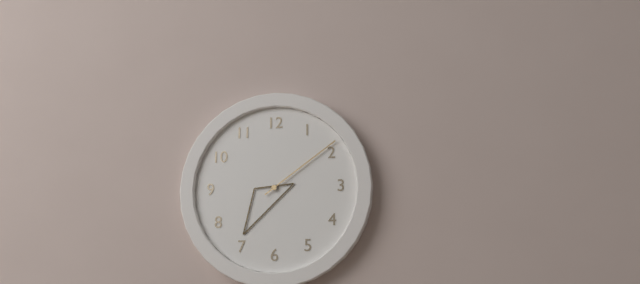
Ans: 7:09
